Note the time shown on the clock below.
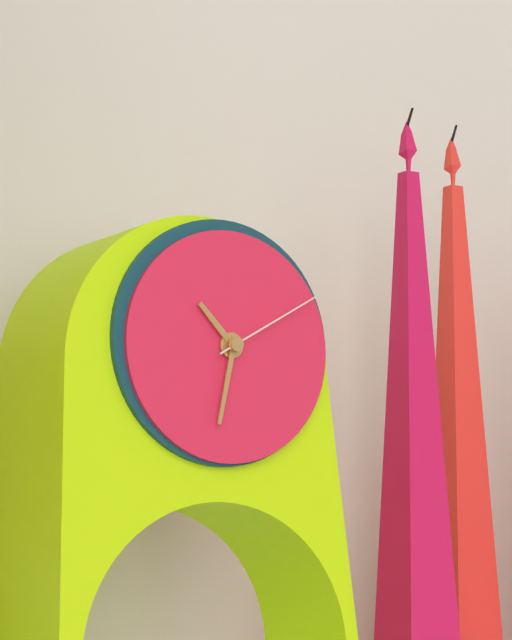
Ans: 10:32:10
